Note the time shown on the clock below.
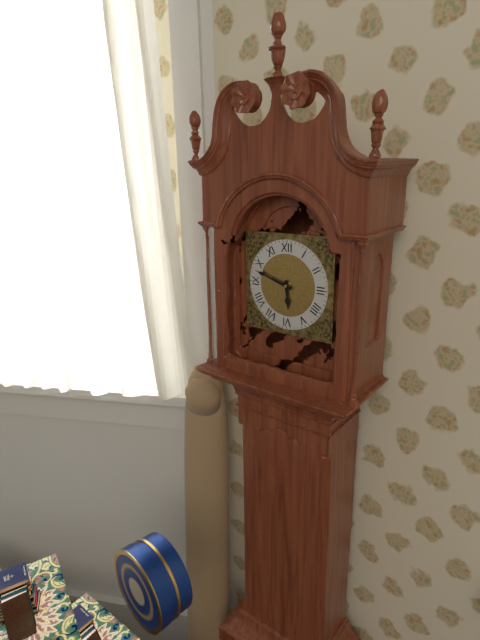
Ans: 5:48
